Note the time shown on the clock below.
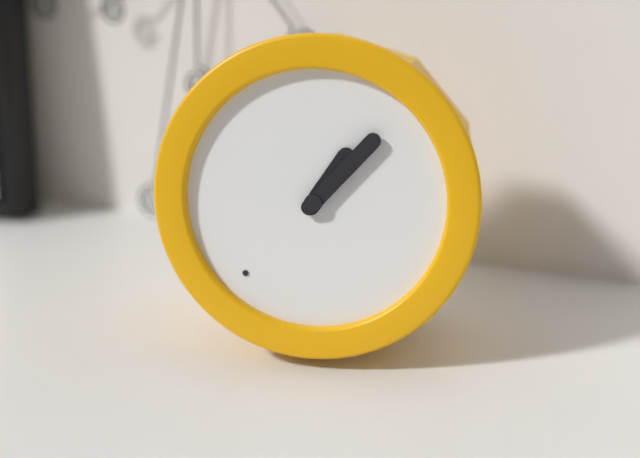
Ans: 1:07
